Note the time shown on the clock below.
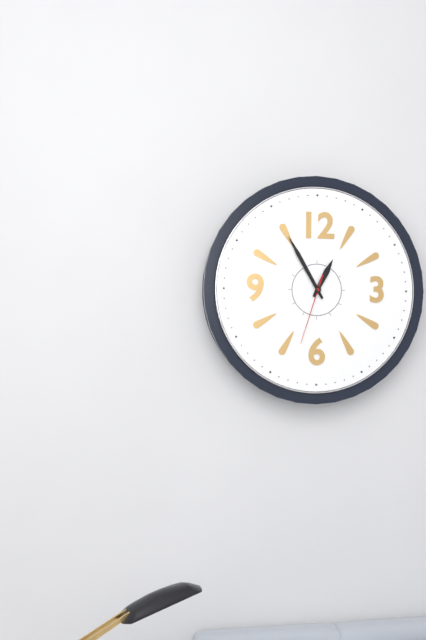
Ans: 12:55:33
